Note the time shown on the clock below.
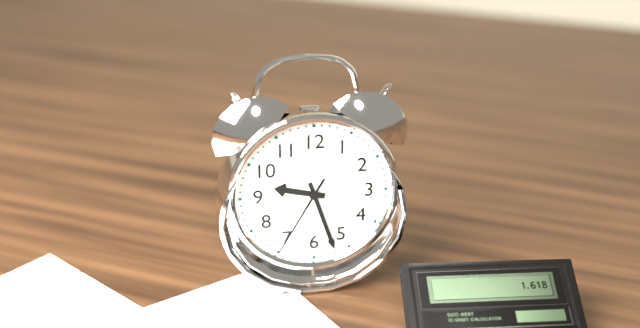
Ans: 9:27:35
